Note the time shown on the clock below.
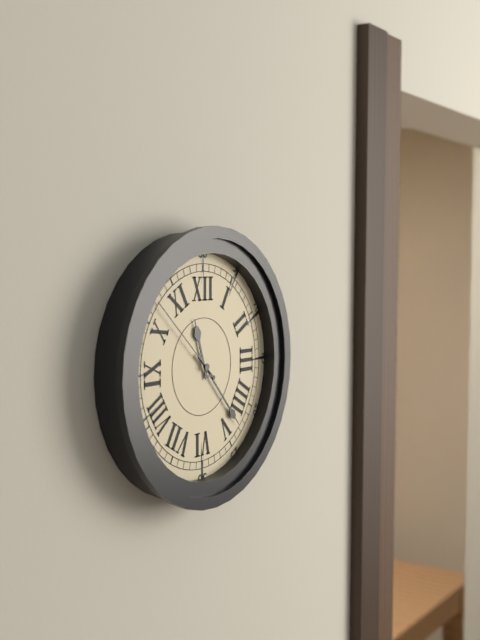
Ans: 11:23:52
